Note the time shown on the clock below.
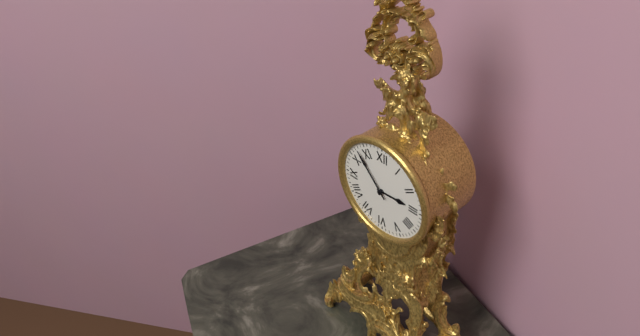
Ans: 2:53
